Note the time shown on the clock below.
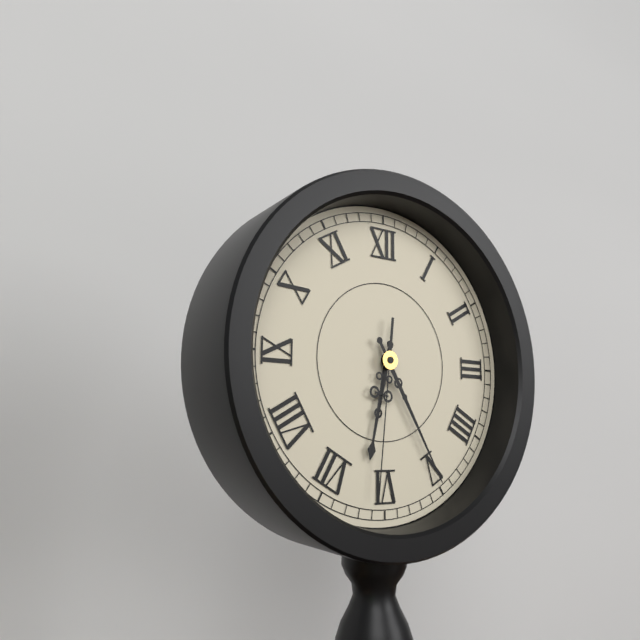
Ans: 6:25:31
